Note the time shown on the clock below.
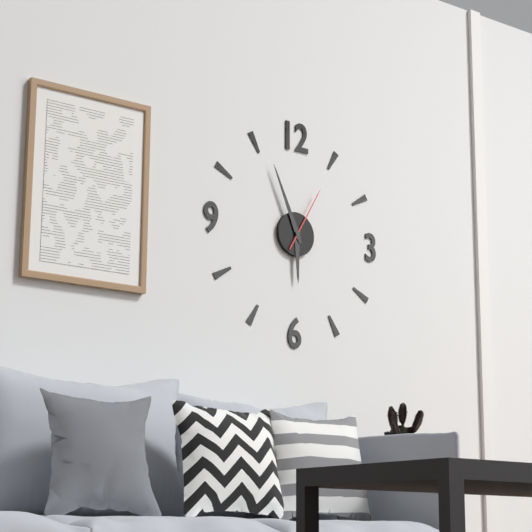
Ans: 5:56:05
